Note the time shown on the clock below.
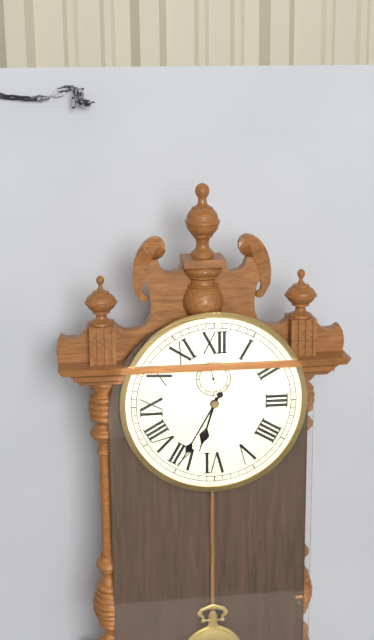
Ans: 6:35
